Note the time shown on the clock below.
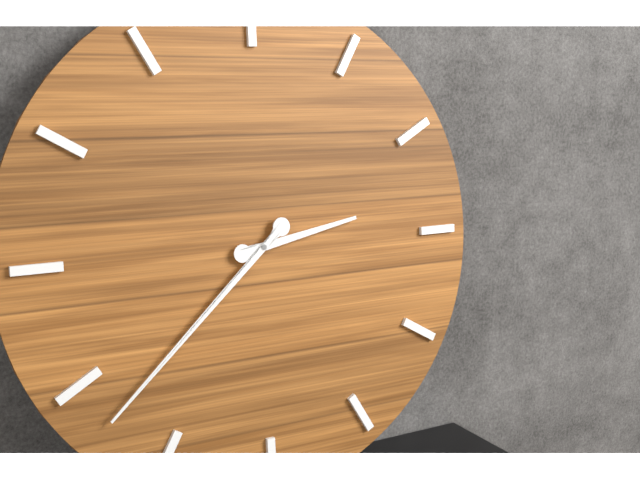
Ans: 2:38
